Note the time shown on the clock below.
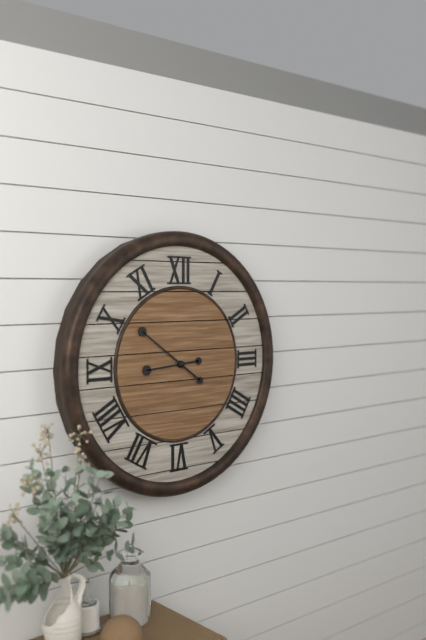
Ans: 8:51
